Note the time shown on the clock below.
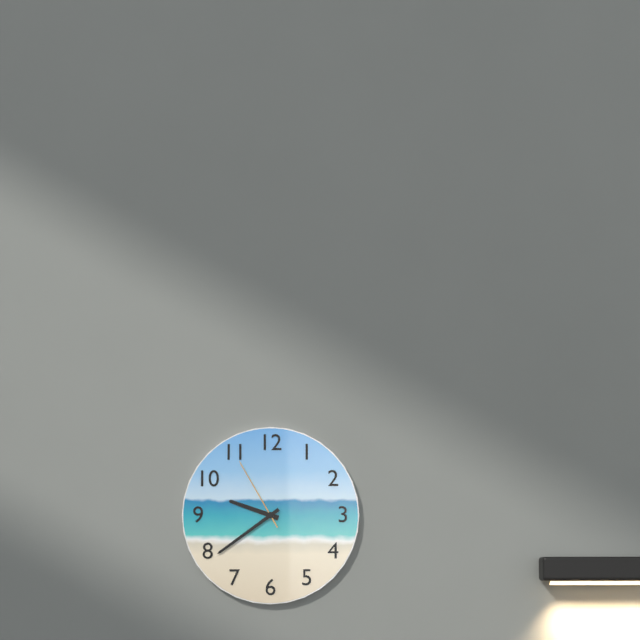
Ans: 9:39:55
